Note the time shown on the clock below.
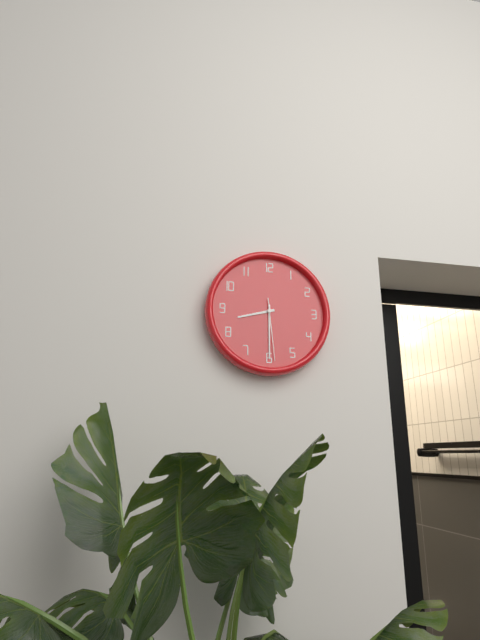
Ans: 8:30:29
